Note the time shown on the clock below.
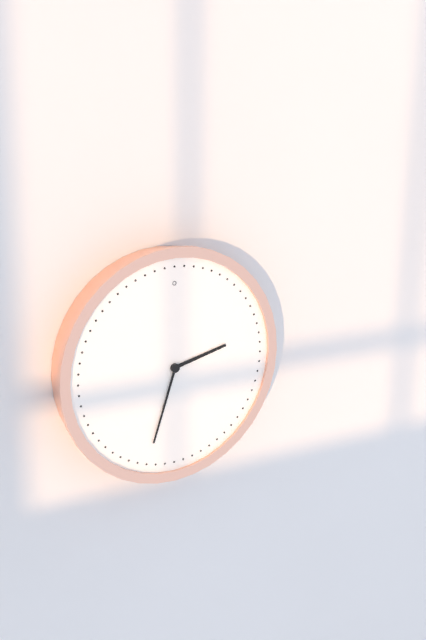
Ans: 2:33
